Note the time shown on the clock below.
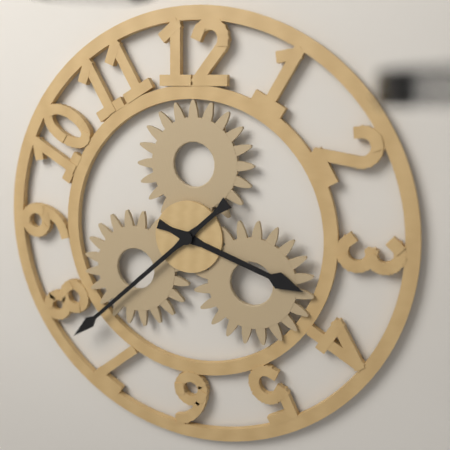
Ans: 3:38
